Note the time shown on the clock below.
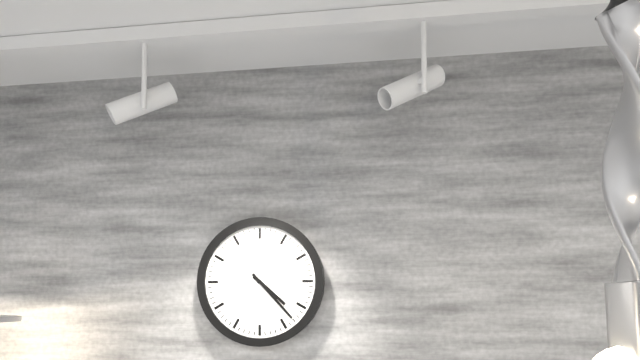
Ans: 4:23
